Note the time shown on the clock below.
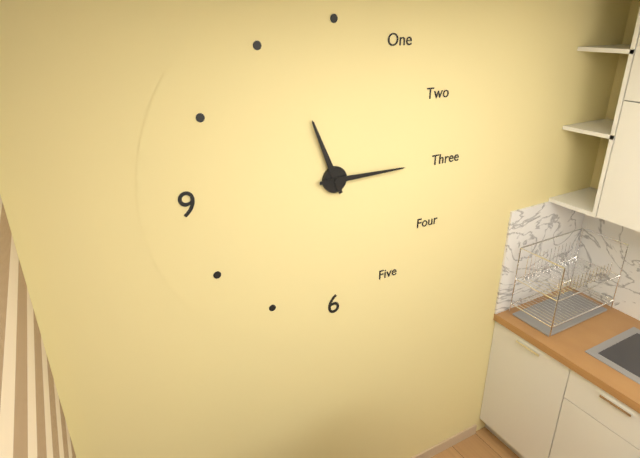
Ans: 11:15
